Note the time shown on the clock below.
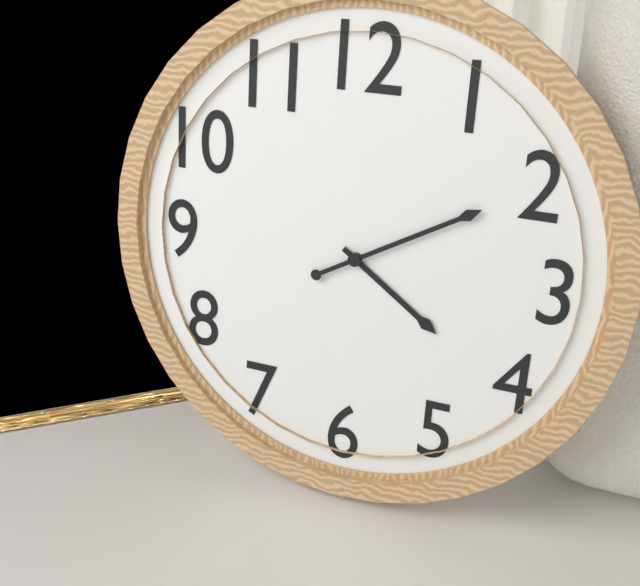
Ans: 4:10
